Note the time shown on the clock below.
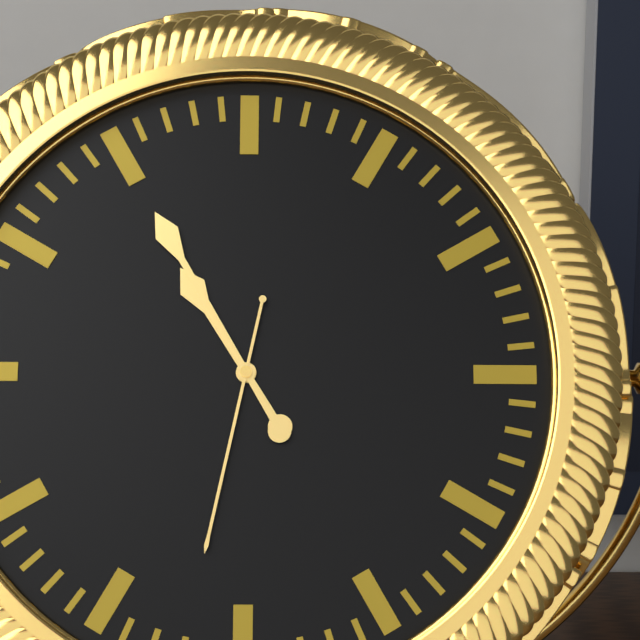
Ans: 10:55:32
